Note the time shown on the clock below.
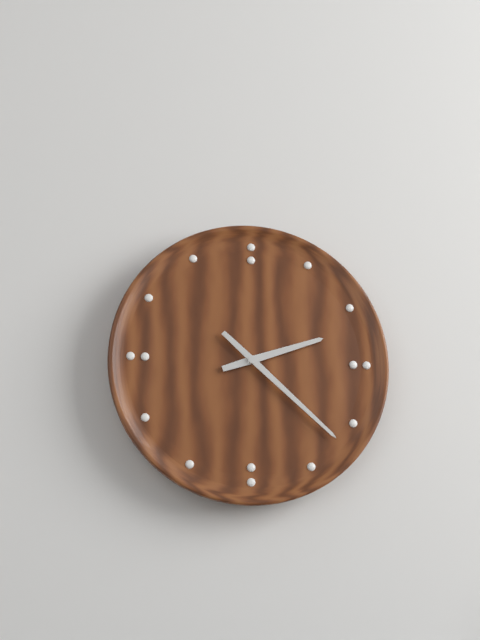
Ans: 2:22
